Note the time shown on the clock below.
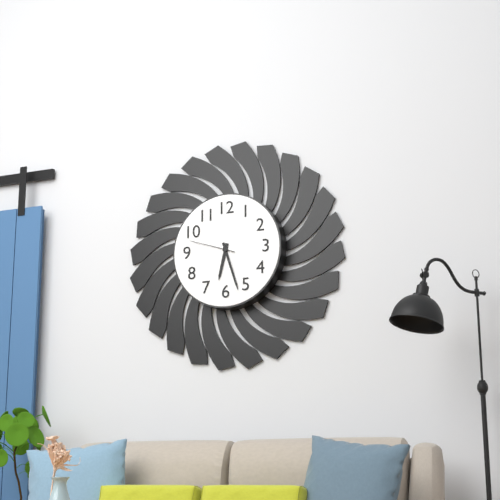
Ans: 6:27:48
